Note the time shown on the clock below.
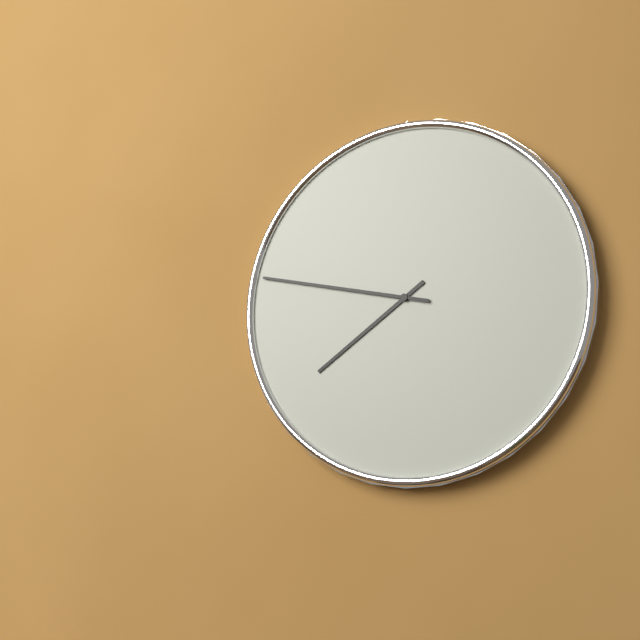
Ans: 7:47
